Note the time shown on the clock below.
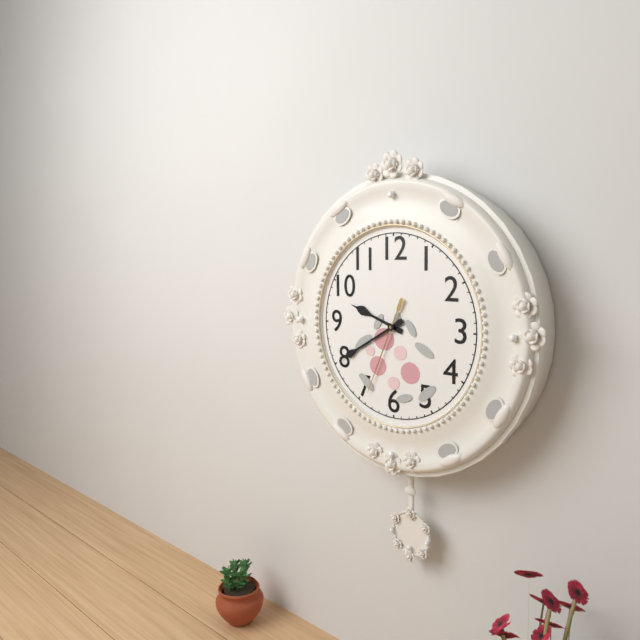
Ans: 9:40:34
